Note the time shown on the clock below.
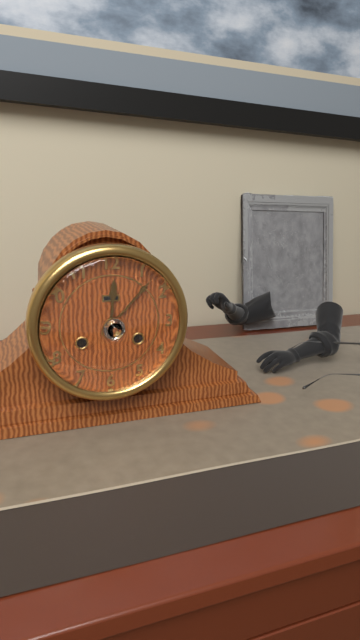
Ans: 12:07
